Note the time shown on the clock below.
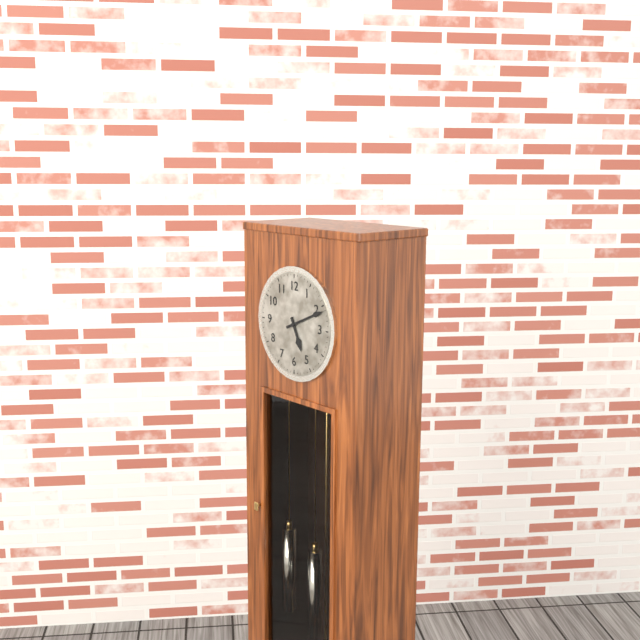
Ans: 5:11
